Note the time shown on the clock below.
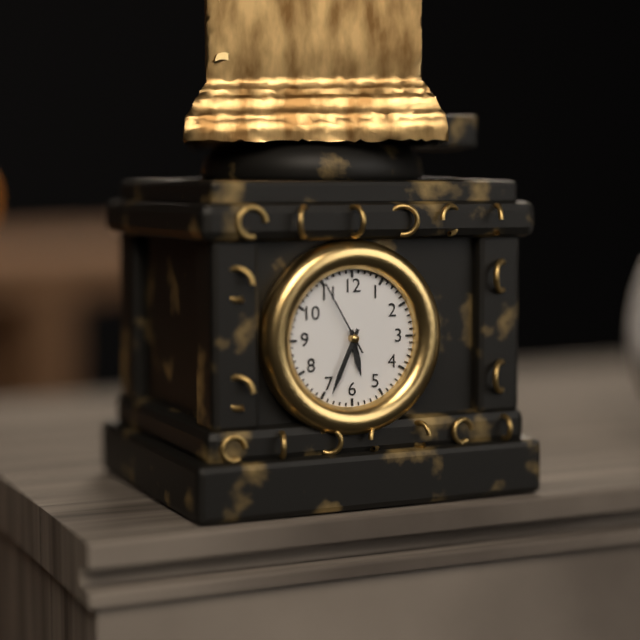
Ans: 5:34:55
